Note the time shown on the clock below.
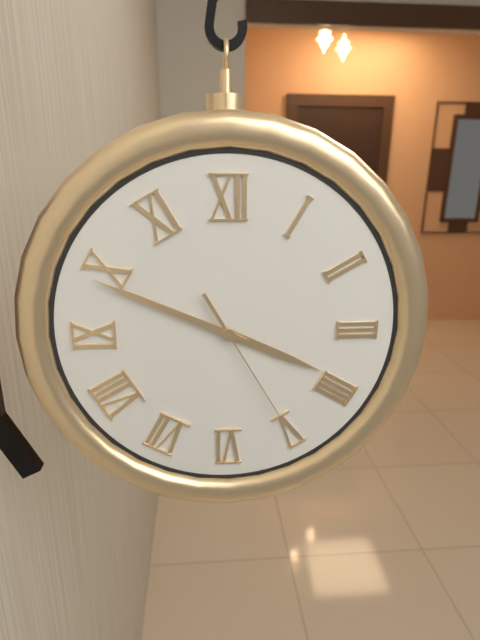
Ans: 3:49:25
